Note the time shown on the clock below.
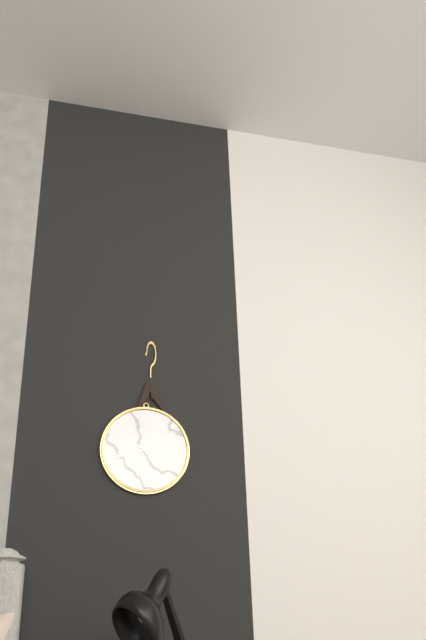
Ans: 9:42
